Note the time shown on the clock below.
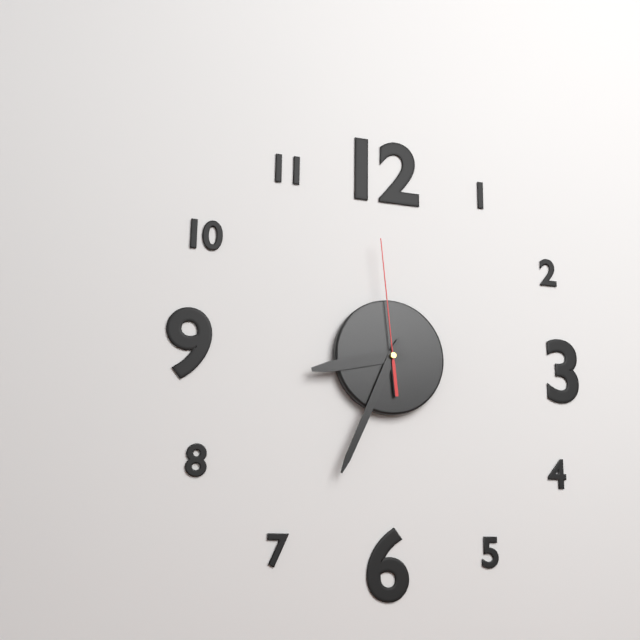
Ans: 8:34:59
